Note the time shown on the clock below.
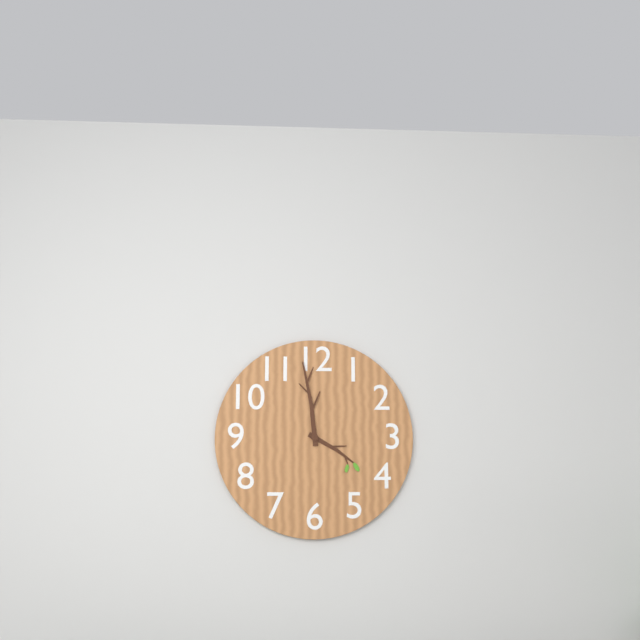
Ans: 3:59
